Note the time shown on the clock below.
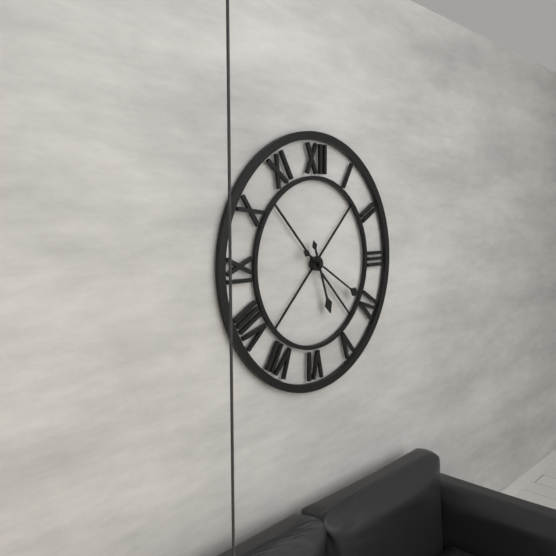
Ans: 5:20
